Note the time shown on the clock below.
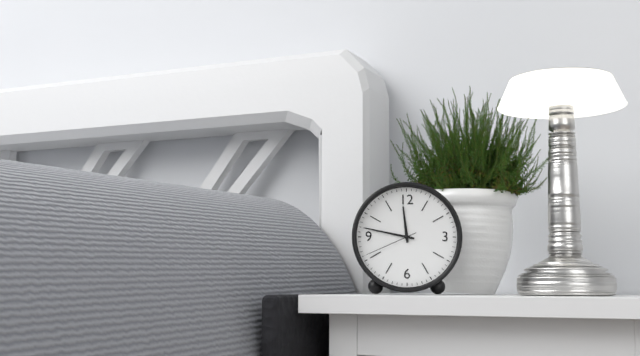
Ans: 11:47:41
